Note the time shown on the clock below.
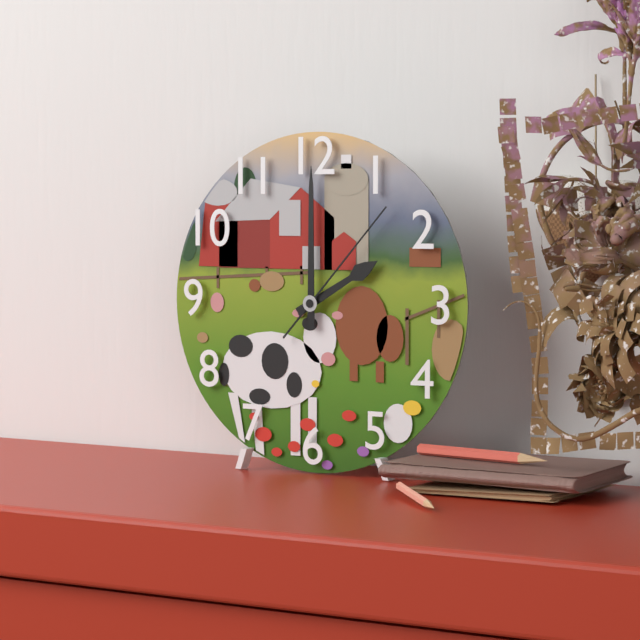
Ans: 2:00:07
